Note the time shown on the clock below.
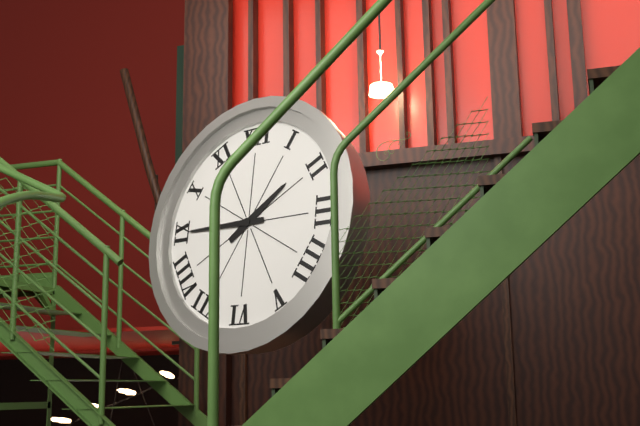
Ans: 1:45
